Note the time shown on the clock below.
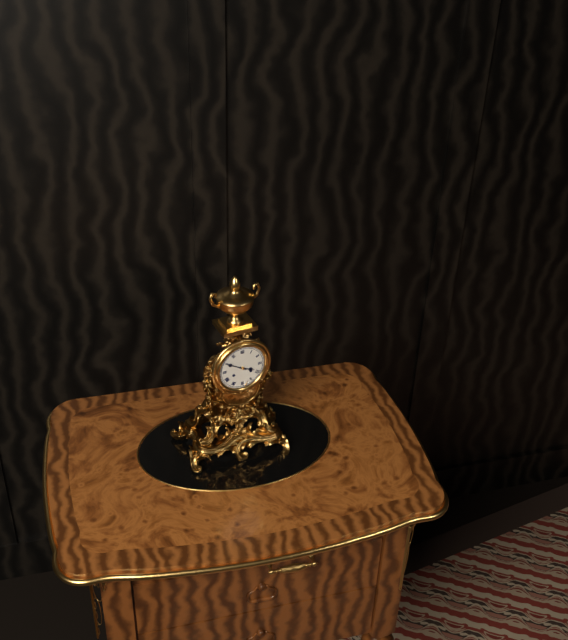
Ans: 3:50
